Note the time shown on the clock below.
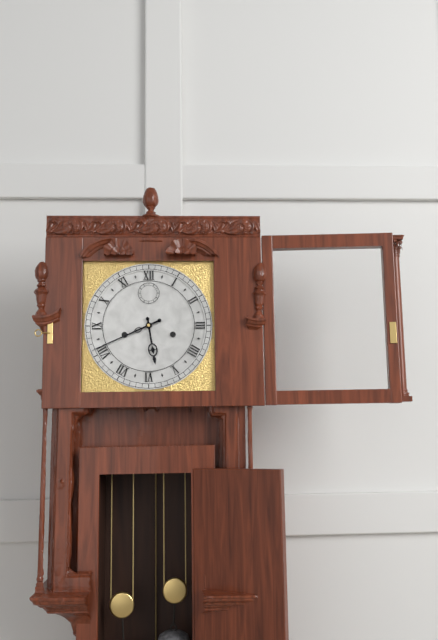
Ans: 5:41
